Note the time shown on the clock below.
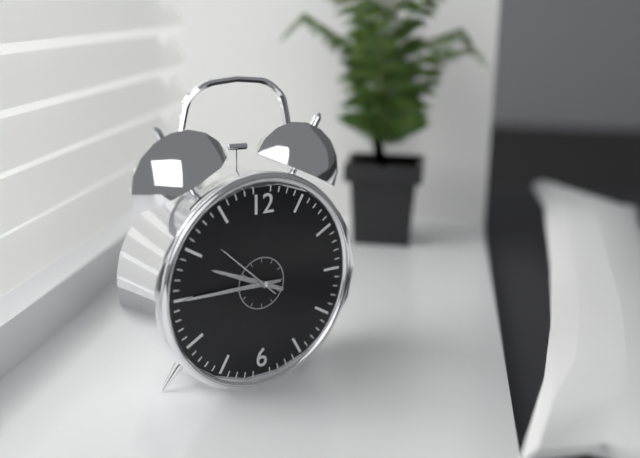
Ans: 9:45:52
